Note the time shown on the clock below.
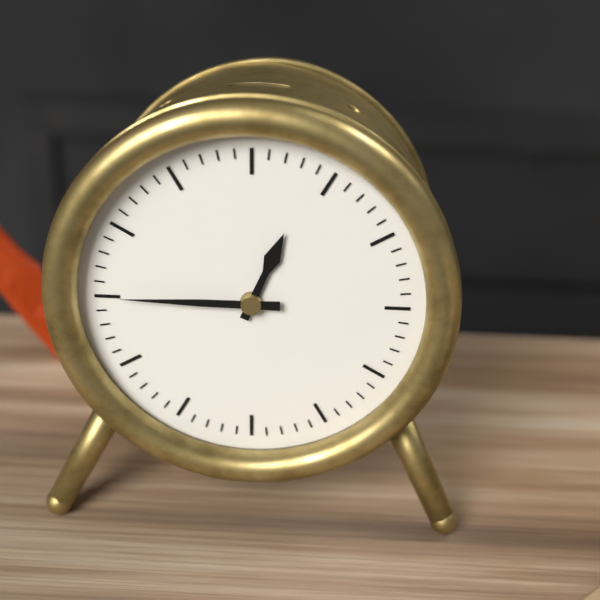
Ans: 12:45
